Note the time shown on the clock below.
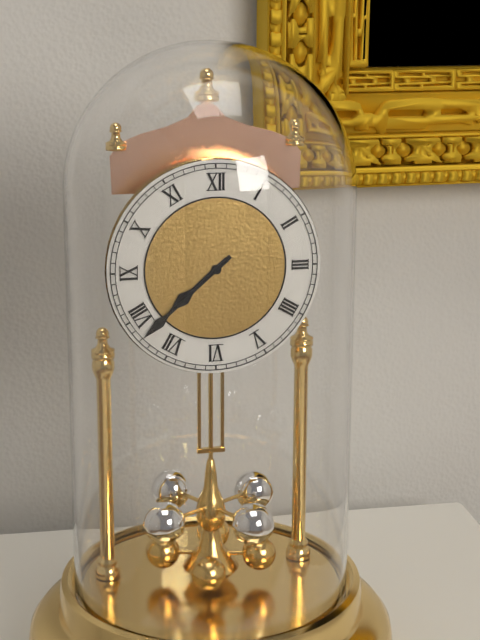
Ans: 7:38
